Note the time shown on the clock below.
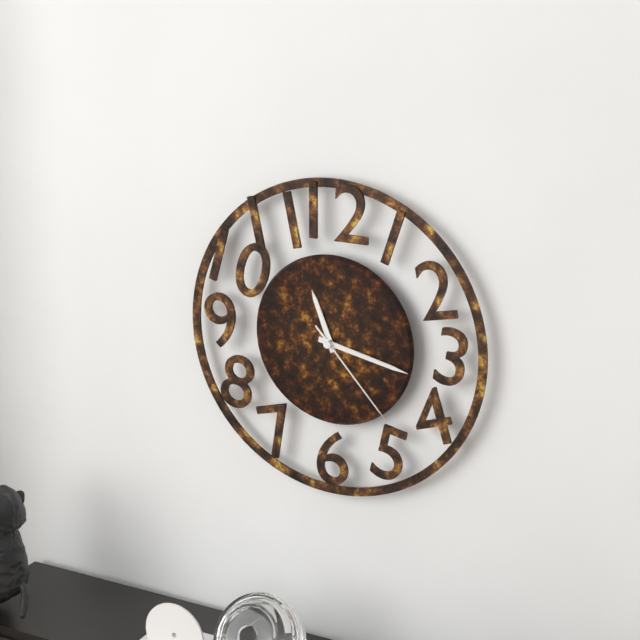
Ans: 11:17:23
